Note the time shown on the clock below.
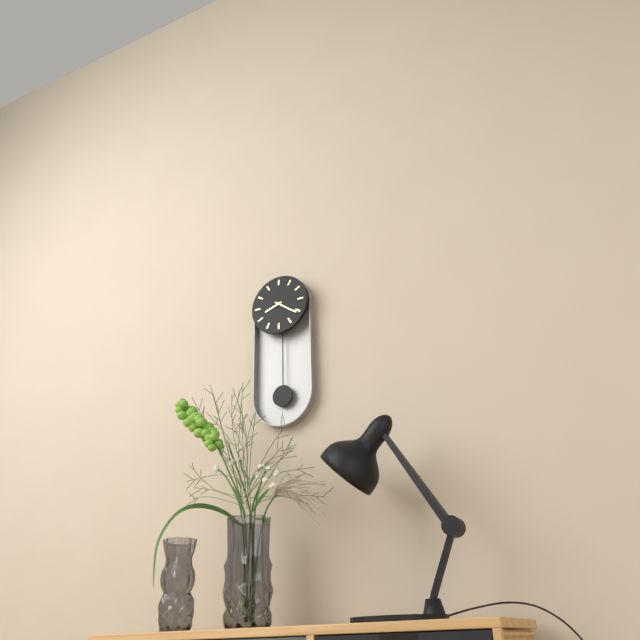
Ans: 8:21
